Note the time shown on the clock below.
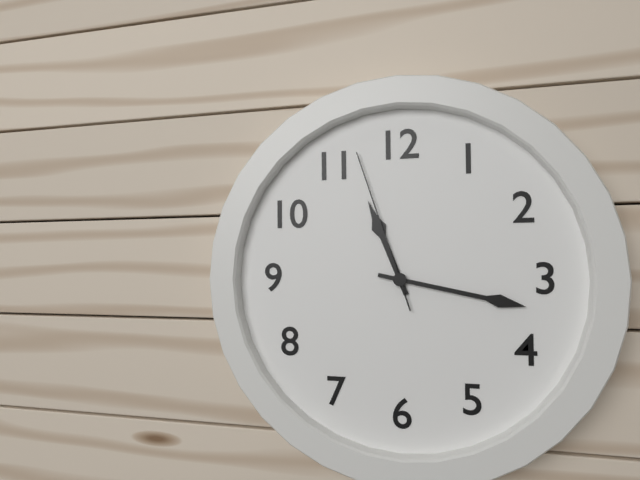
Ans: 11:17:57
